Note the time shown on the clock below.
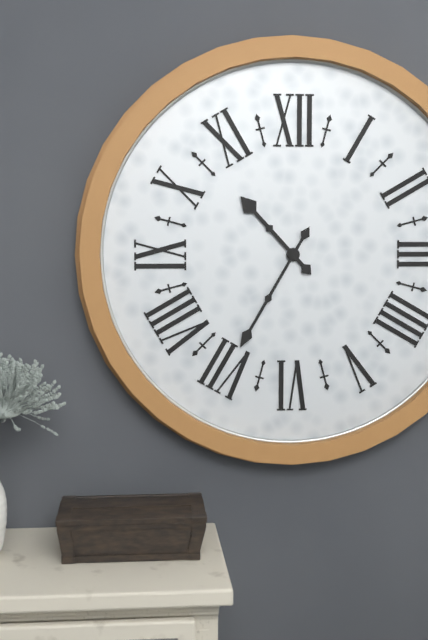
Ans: 10:35
